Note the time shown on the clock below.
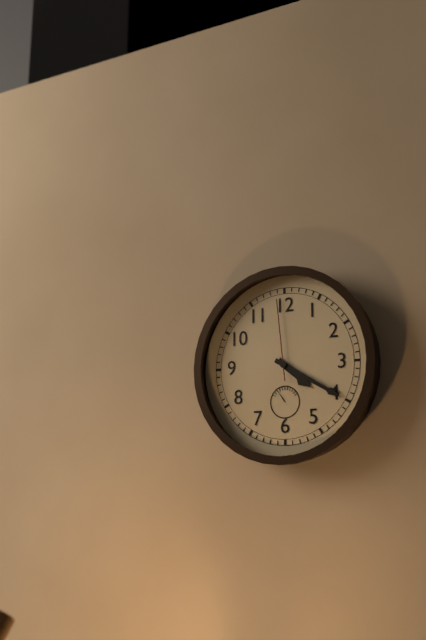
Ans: 4:20:59
